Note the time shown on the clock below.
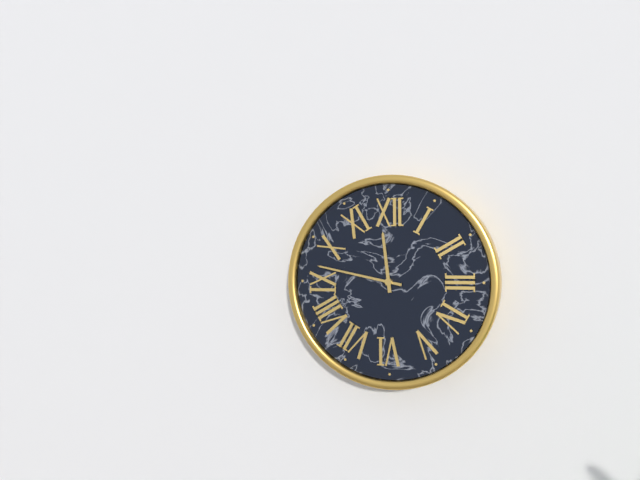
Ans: 11:47
